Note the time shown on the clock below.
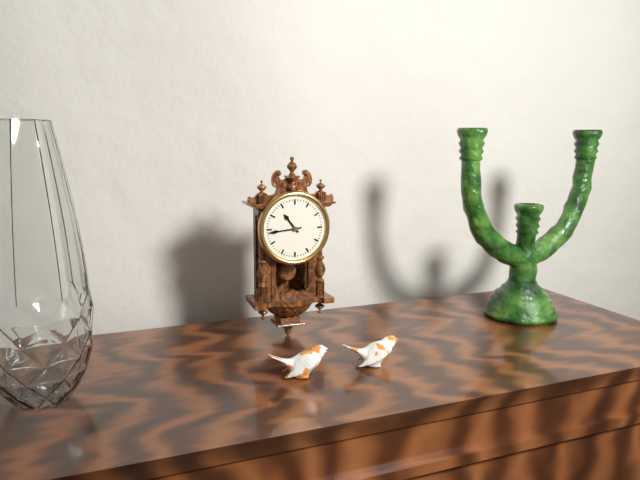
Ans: 10:44
